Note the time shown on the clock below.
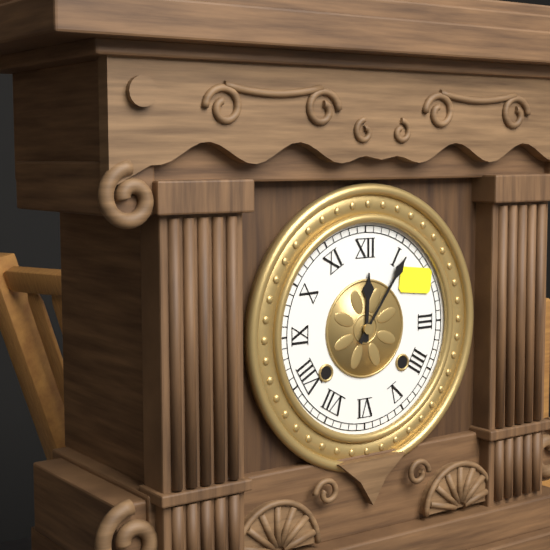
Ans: 12:06
